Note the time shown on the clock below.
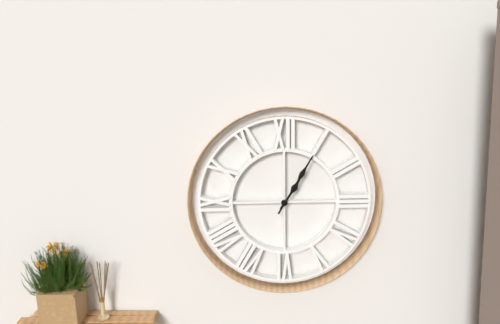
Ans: 1:05
